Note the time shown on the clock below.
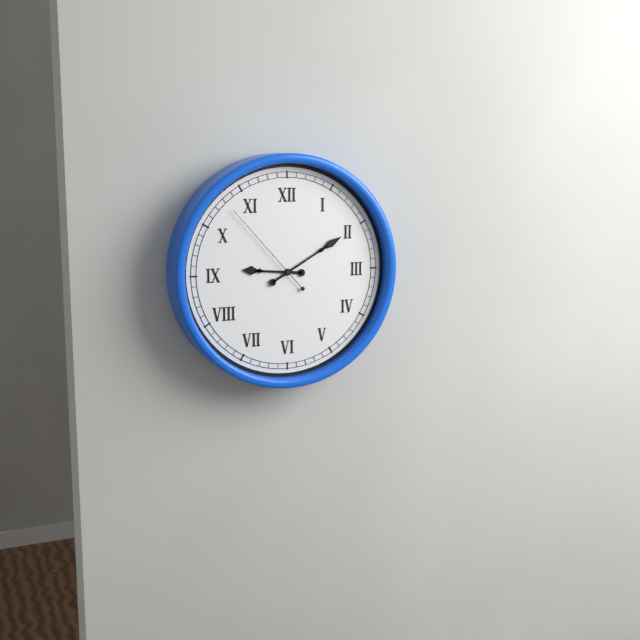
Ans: 9:10:53
